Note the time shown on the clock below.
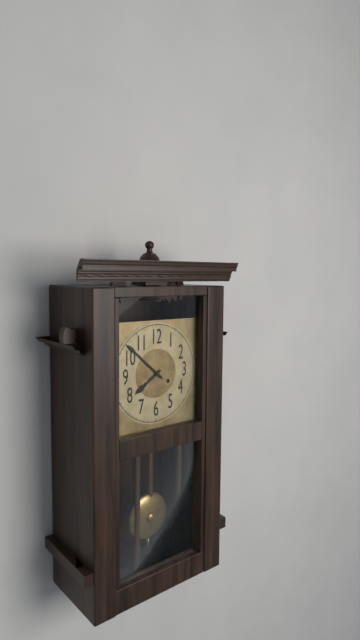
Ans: 7:52
